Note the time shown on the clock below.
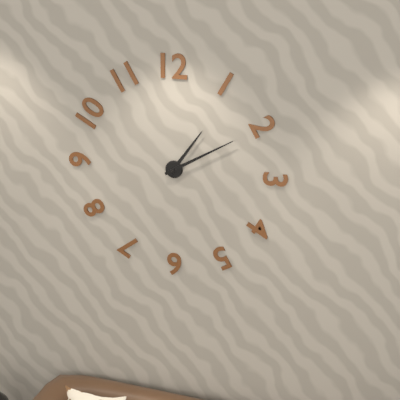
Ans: 1:10
